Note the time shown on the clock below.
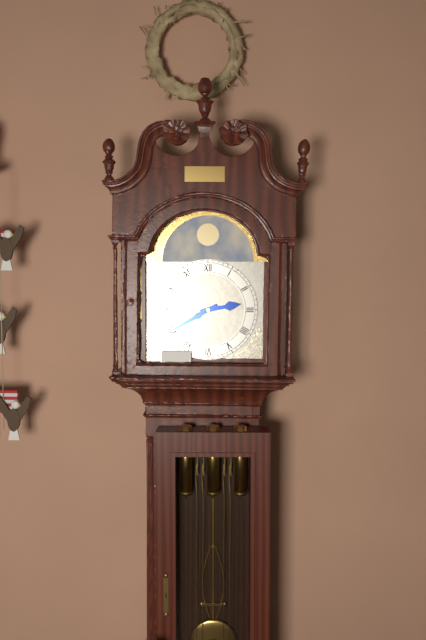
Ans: 2:40
